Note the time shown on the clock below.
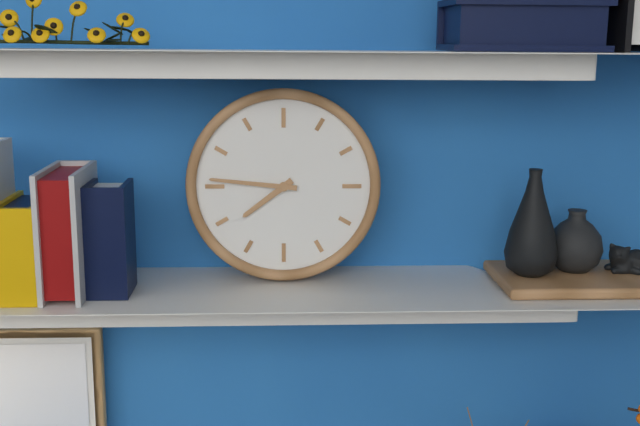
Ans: 7:46
